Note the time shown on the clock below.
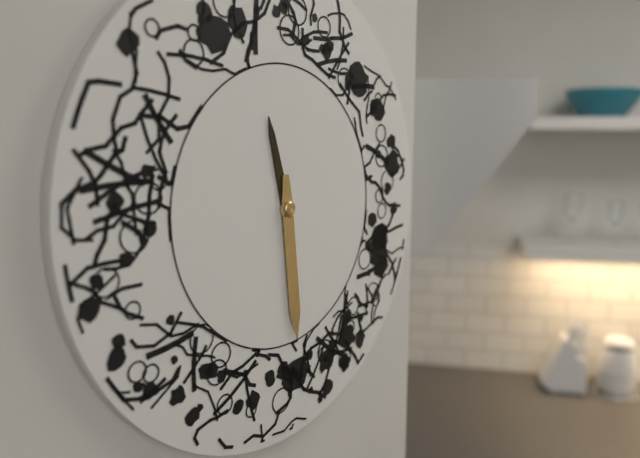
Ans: 11:29
